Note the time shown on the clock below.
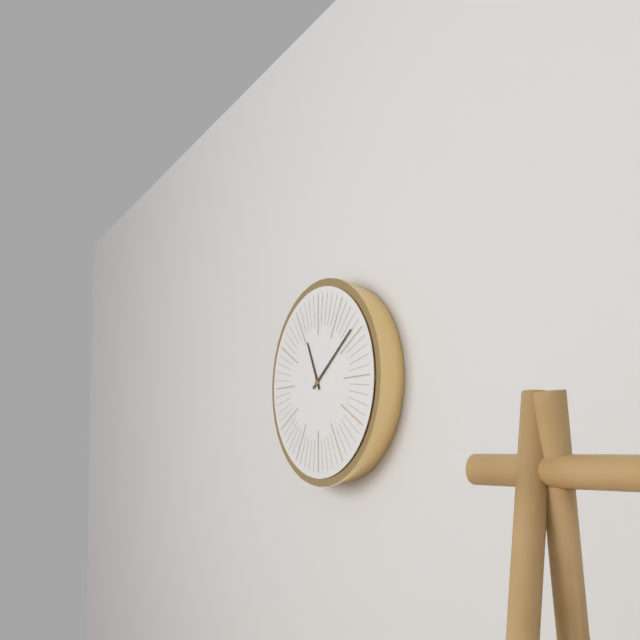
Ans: 11:09
